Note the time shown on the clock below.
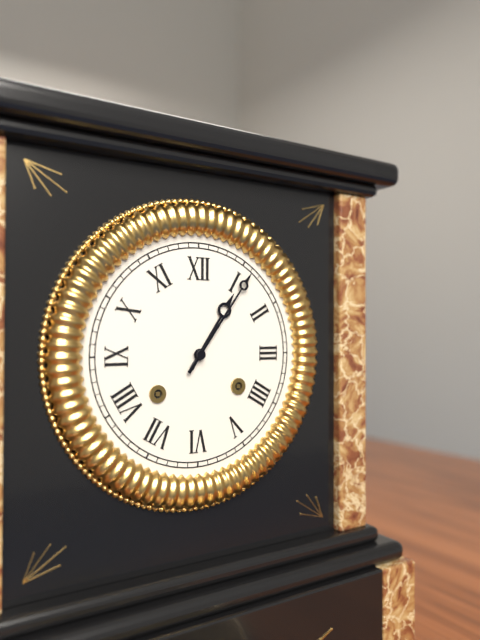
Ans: 1:06
